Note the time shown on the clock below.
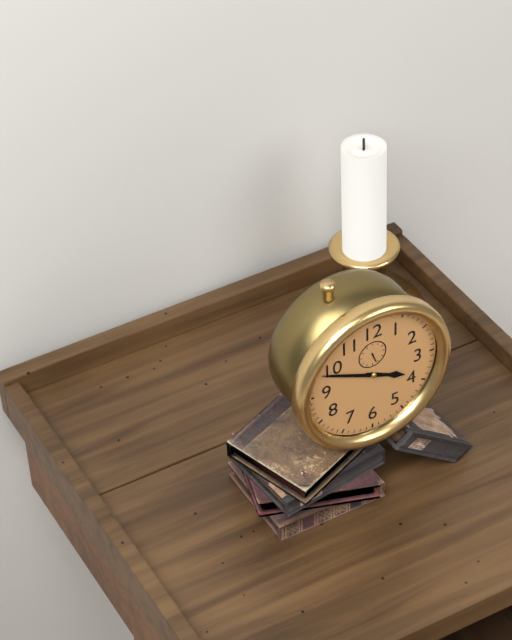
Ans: 3:49
